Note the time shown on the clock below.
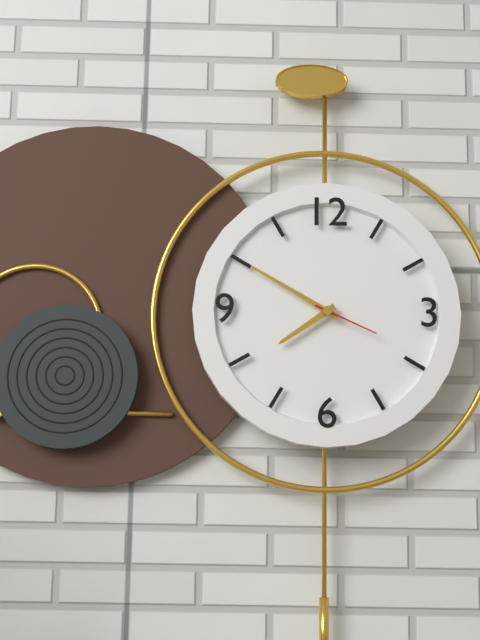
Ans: 7:50:19
